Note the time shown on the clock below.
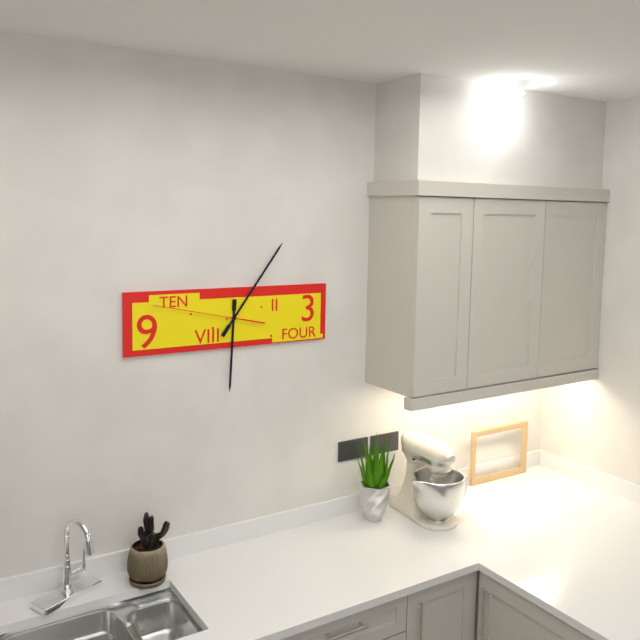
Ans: 6:06:47
